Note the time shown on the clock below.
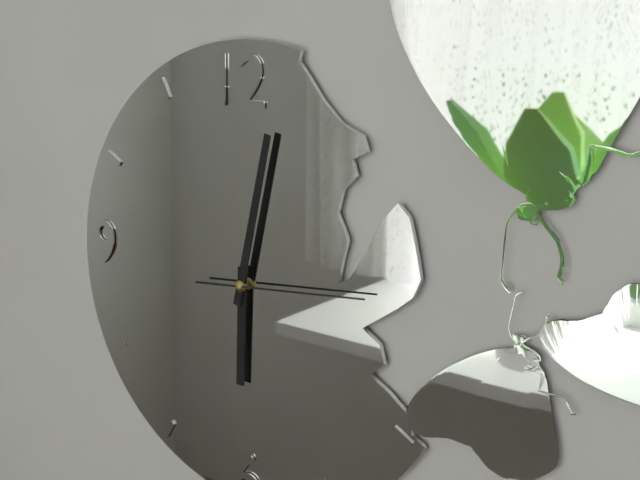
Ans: 6:02:14
